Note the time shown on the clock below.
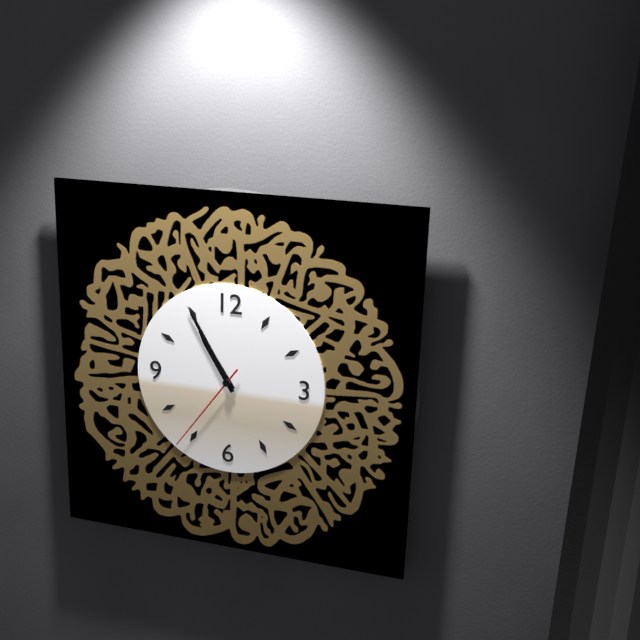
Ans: 10:55:36
